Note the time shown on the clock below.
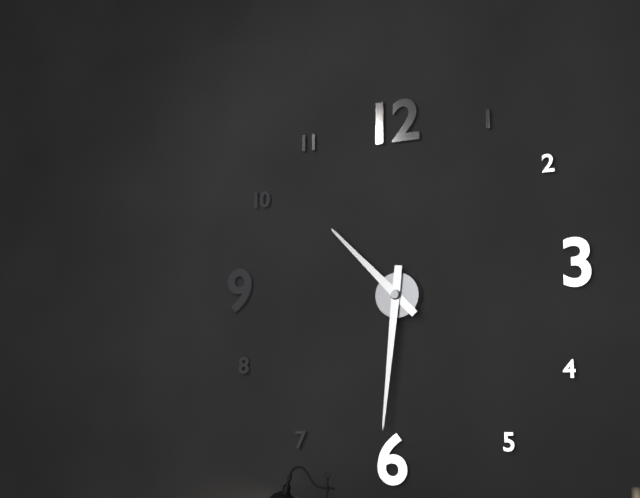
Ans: 10:31
